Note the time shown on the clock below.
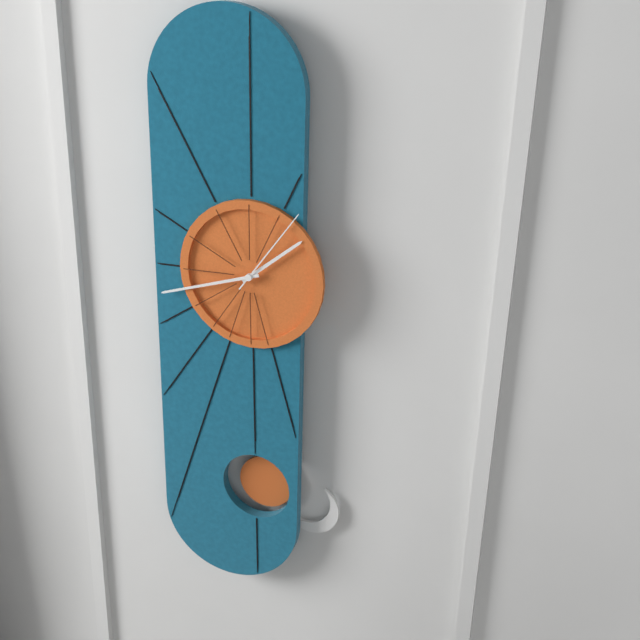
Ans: 1:42:06
